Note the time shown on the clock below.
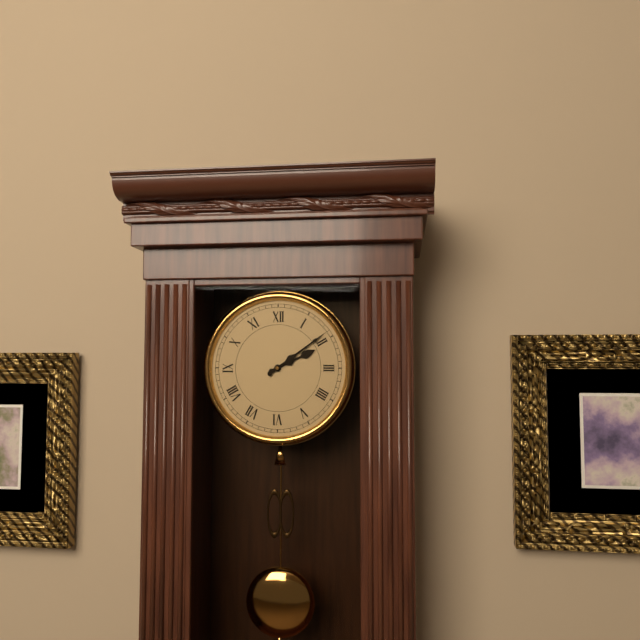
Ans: 2:09
